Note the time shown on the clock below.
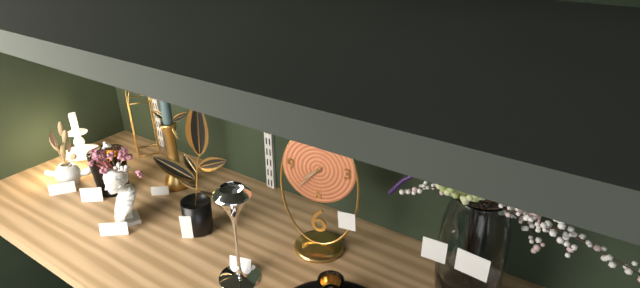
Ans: 7:37
